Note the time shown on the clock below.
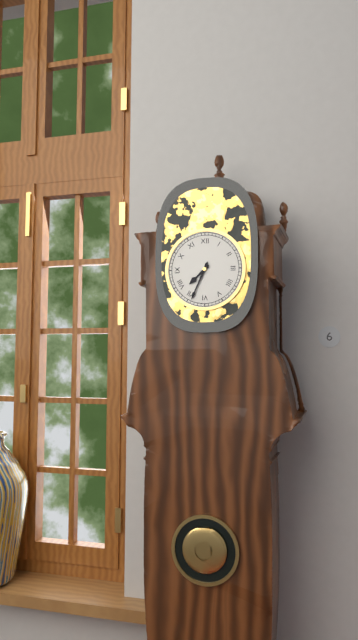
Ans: 7:34
